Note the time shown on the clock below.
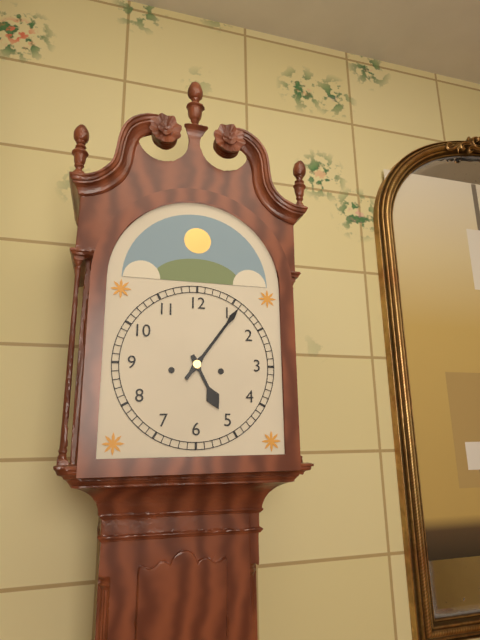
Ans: 5:06
